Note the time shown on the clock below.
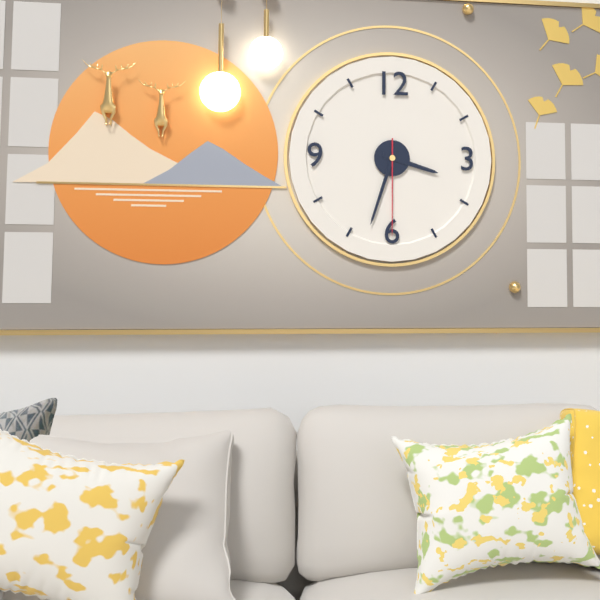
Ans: 3:33:30
